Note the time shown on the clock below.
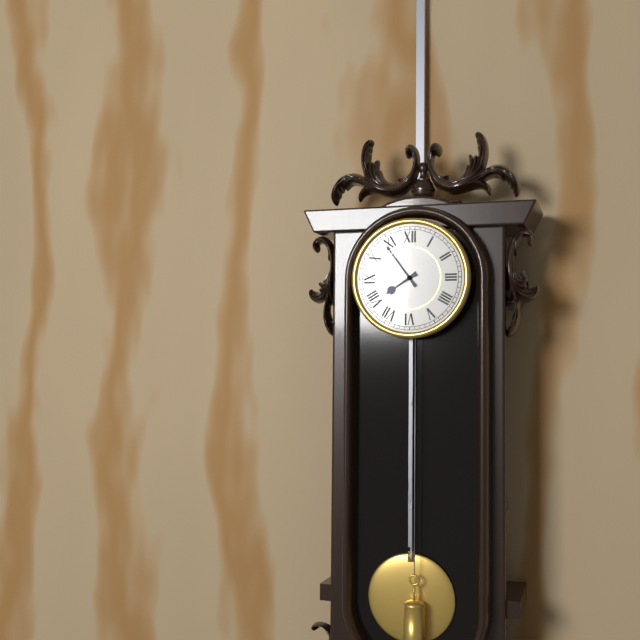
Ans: 7:54
